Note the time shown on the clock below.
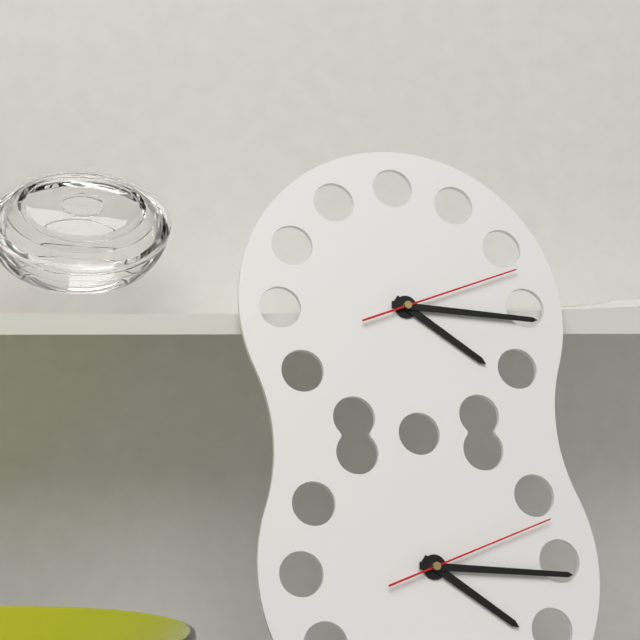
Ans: 4:16:12
